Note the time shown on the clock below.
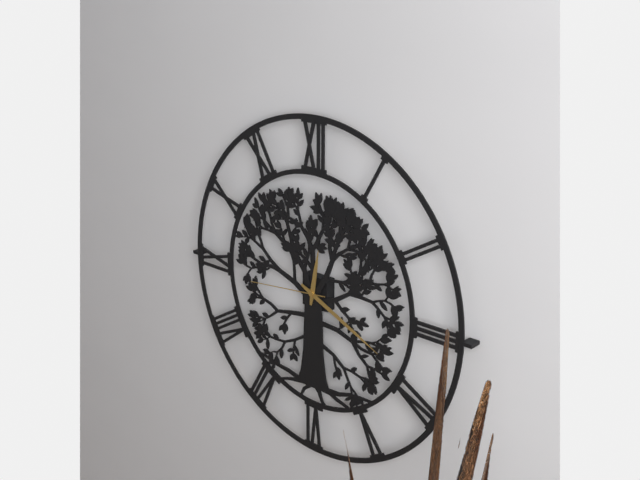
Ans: 12:19:44
